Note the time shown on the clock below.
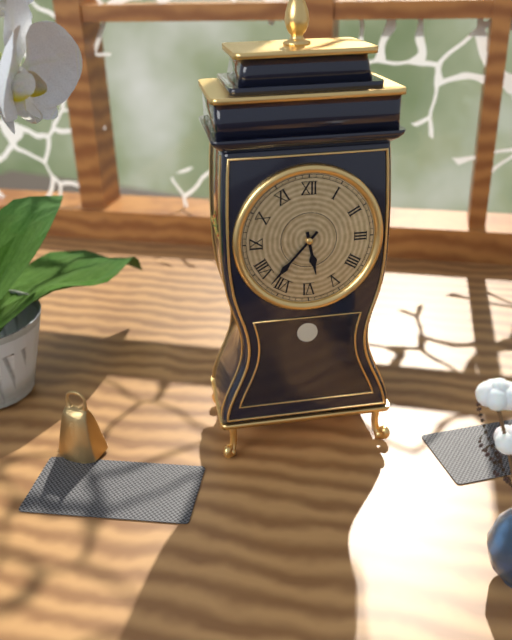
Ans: 5:37
